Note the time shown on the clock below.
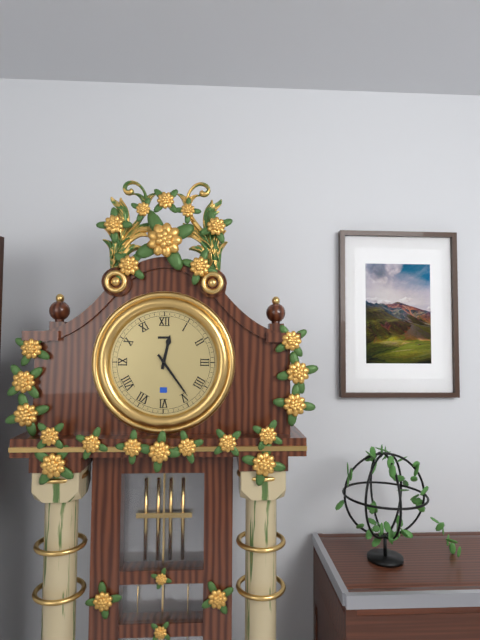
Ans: 12:24
